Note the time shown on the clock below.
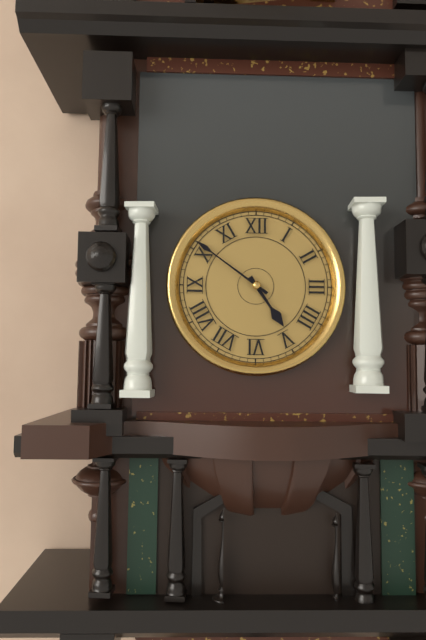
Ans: 4:51
